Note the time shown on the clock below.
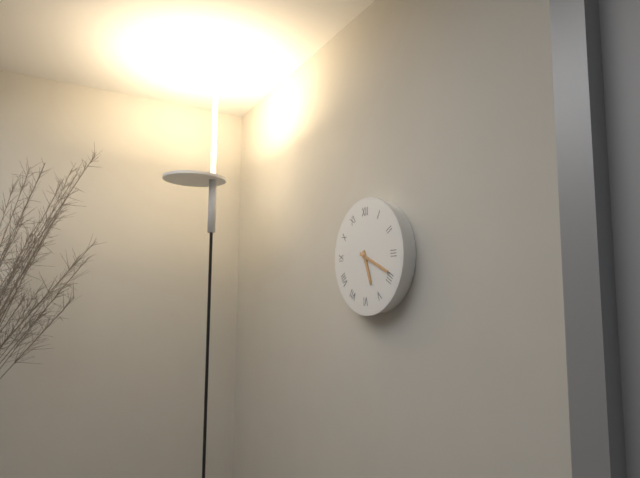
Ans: 5:19
